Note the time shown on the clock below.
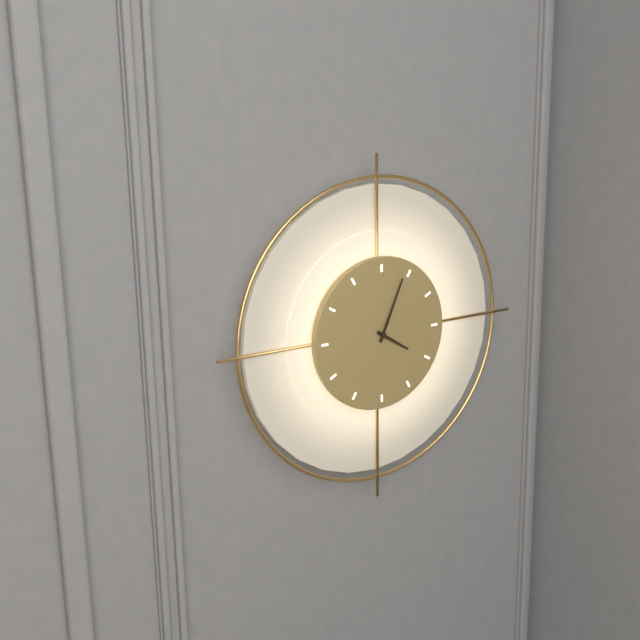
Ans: 4:04
